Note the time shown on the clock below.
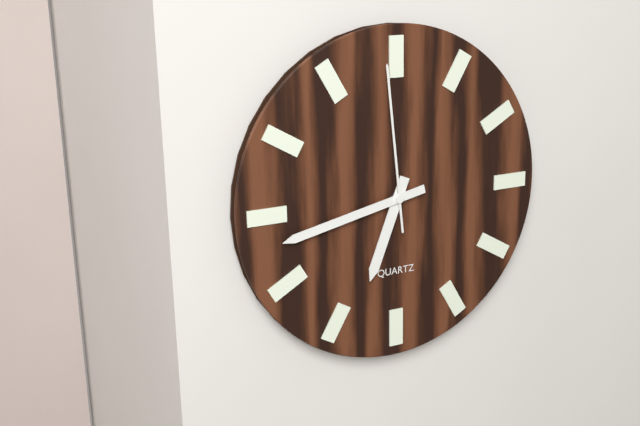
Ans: 6:43:59
